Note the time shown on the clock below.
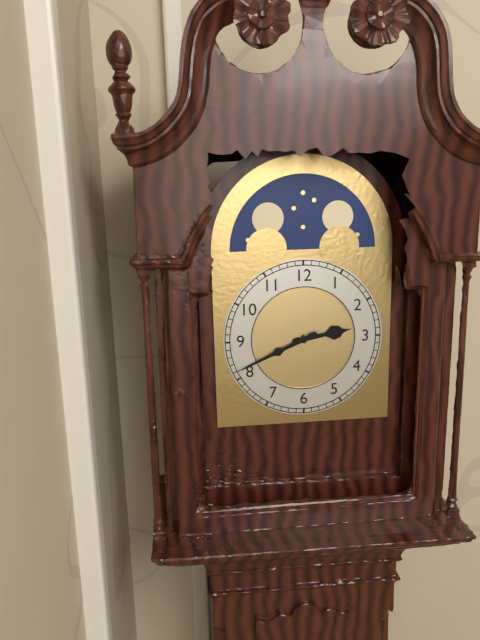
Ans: 2:41
